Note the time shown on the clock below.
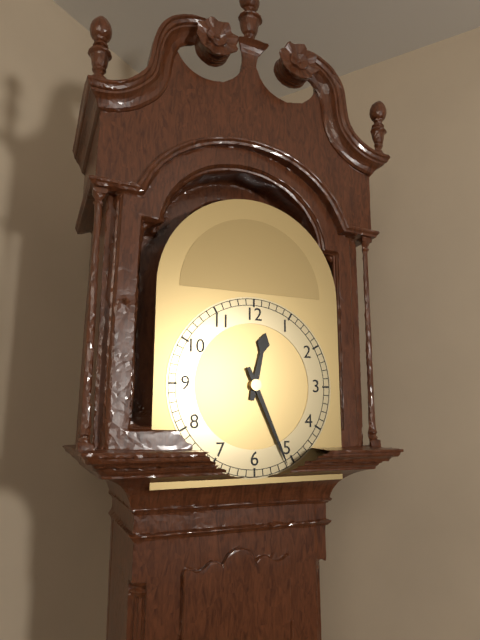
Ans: 12:26
